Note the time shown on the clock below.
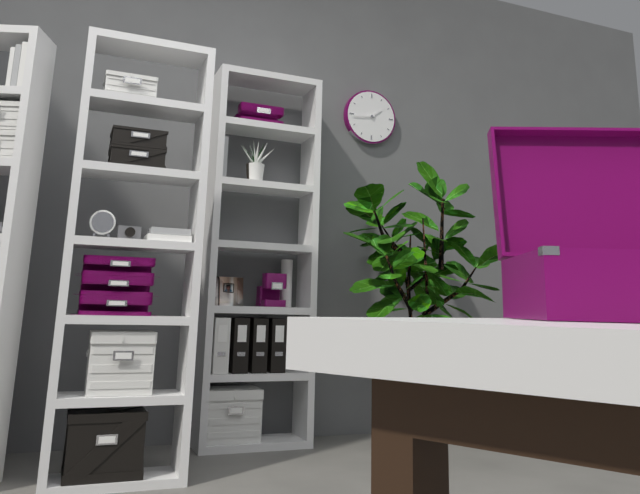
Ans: 1:44
